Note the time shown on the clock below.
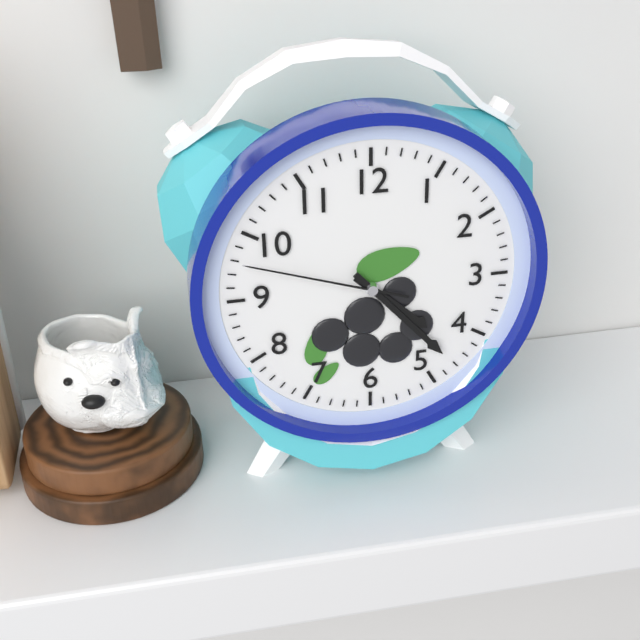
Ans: 4:23:48
